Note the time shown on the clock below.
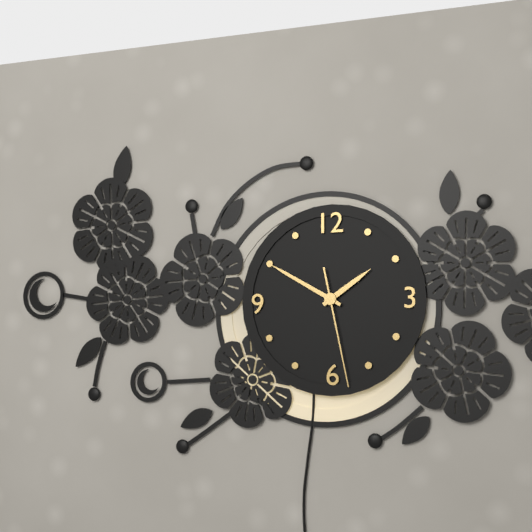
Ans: 1:50:28
